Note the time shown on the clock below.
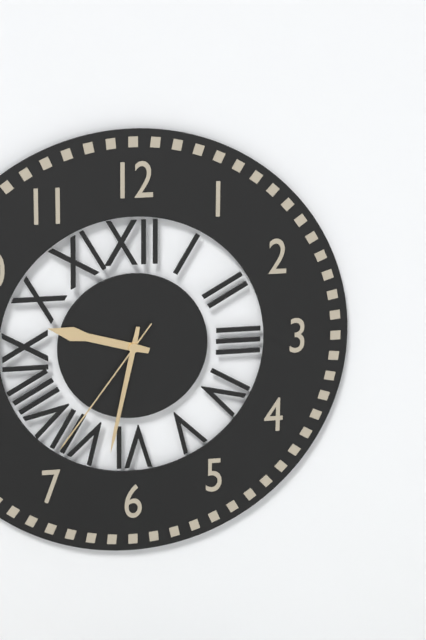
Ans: 9:32:36
